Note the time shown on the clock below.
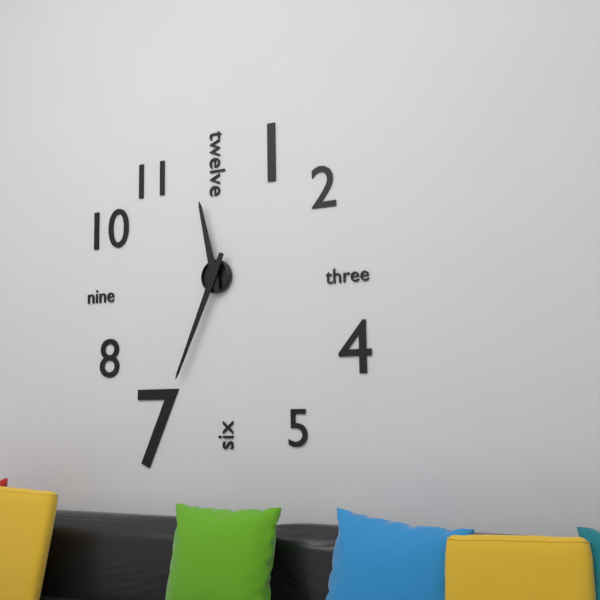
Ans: 11:34
